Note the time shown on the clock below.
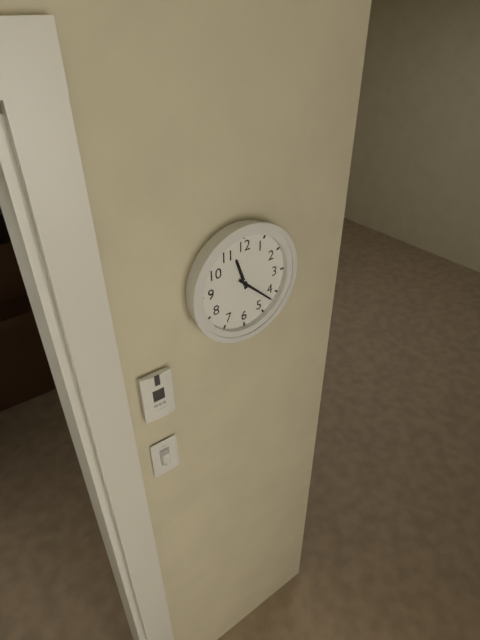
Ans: 11:22
